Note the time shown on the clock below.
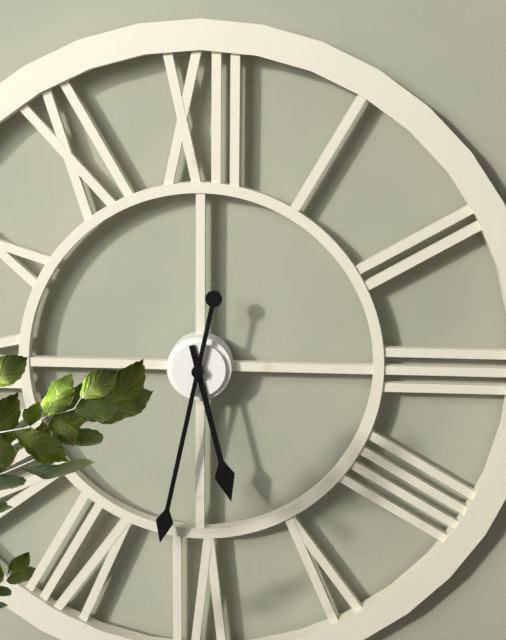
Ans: 5:32
